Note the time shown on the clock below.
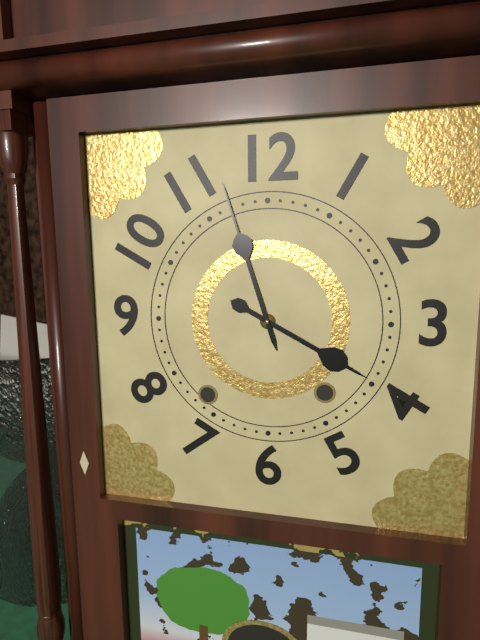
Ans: 3:57
